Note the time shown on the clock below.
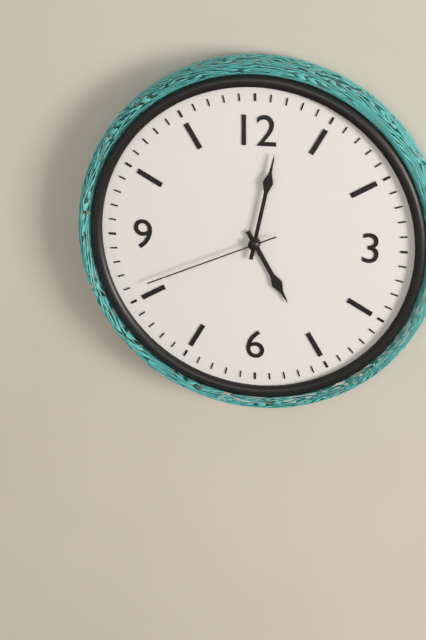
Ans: 5:02:41
